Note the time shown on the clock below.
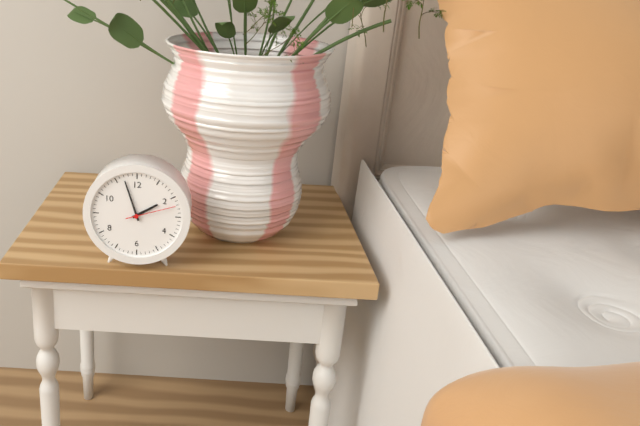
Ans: 1:57:12
